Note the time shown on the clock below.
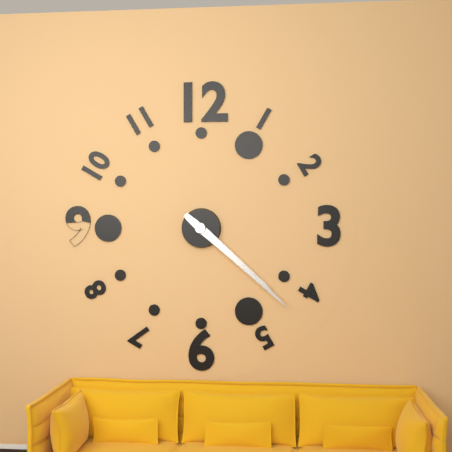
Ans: 4:22
